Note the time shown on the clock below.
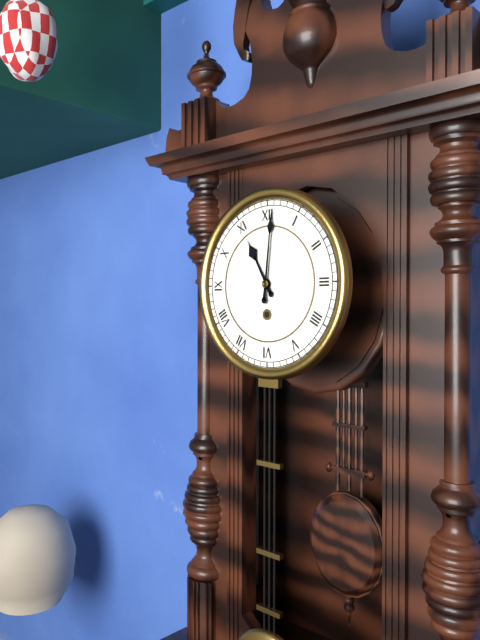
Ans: 11:01
